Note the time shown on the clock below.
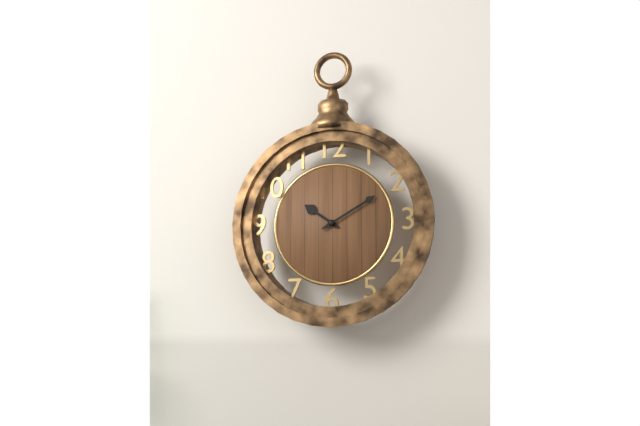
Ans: 10:10
